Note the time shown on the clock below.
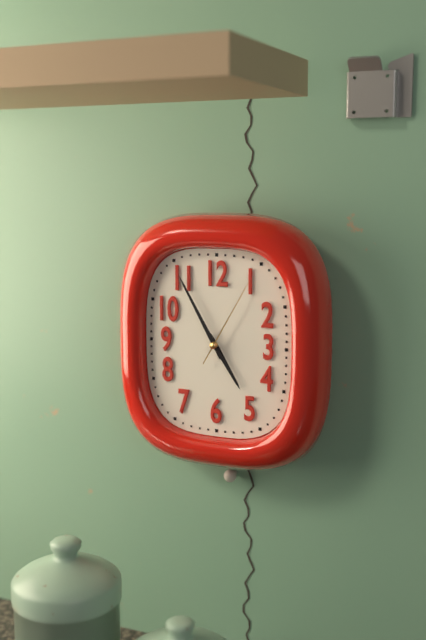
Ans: 4:55:05
